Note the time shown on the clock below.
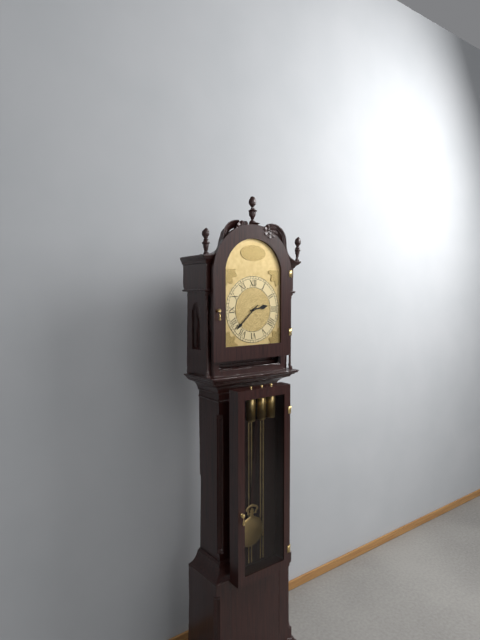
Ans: 2:38
